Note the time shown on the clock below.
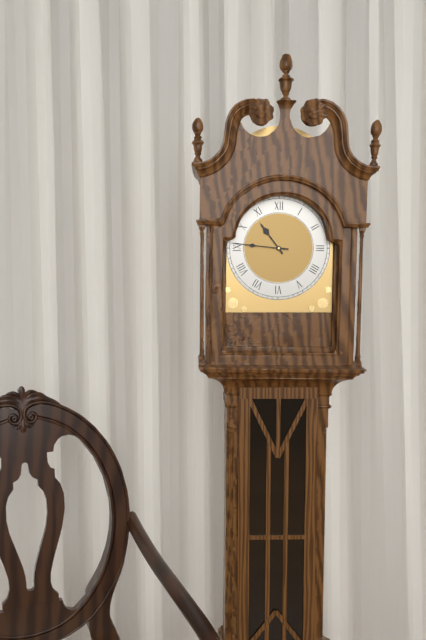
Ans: 10:46
